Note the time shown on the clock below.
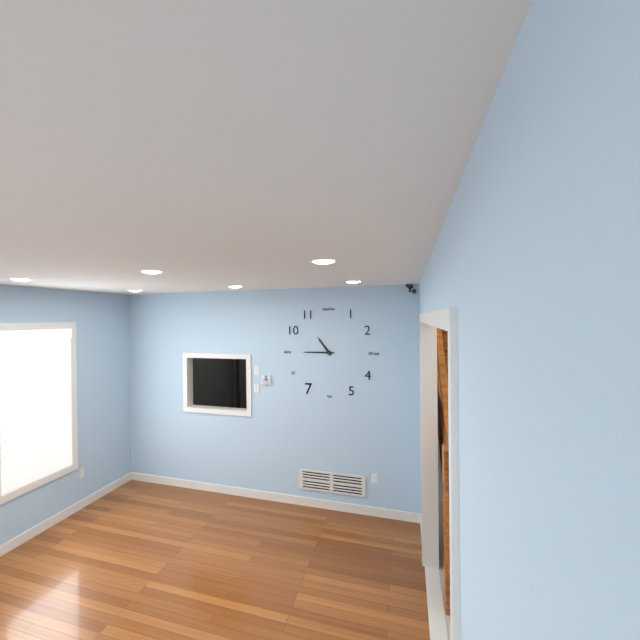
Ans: 10:45
